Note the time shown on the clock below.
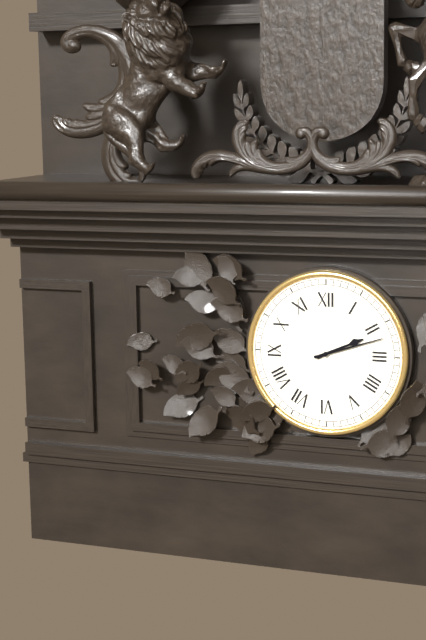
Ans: 2:12
